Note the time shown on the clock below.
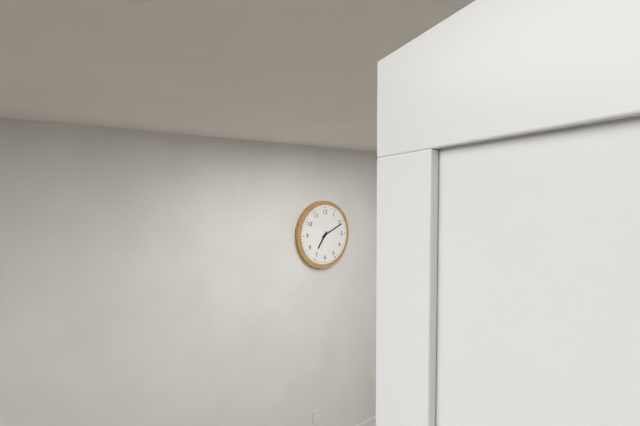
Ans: 7:11
